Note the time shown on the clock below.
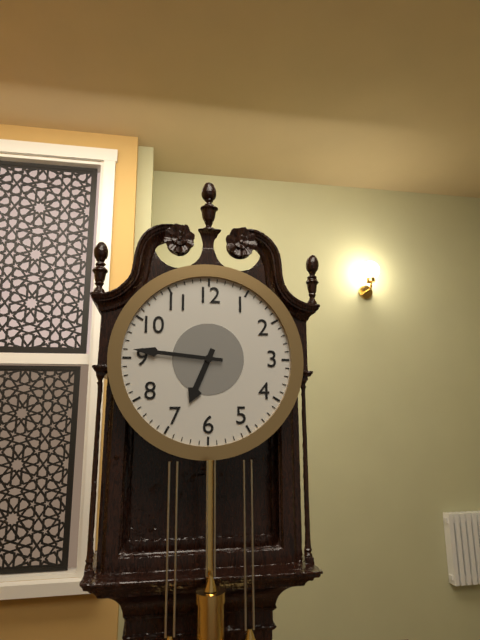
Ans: 6:46
